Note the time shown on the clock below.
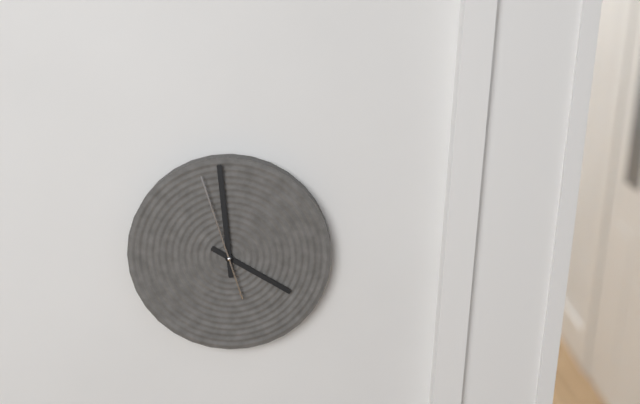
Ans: 3:59:57
